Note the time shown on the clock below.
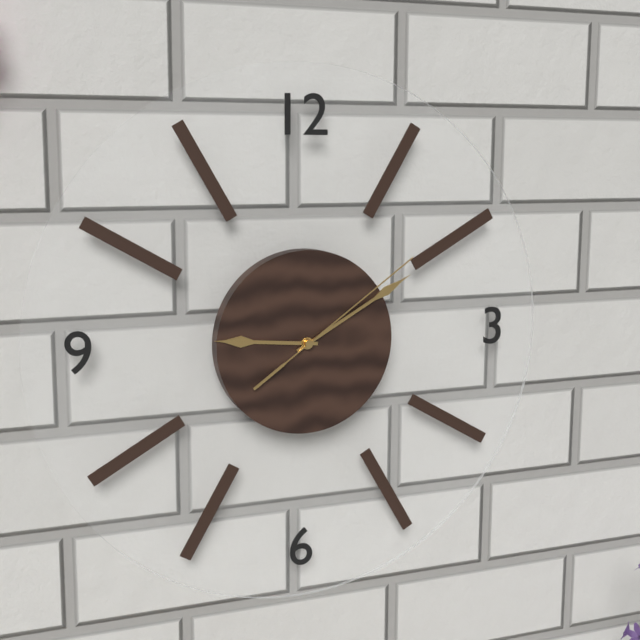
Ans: 9:10:09
